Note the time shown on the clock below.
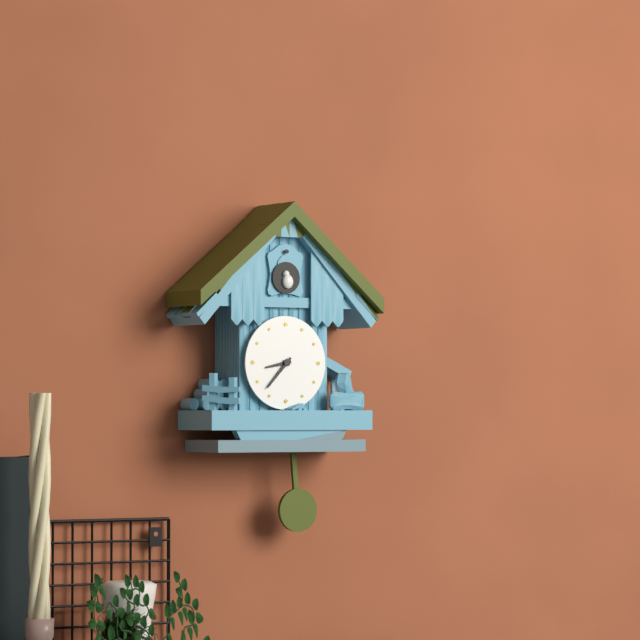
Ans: 8:37
